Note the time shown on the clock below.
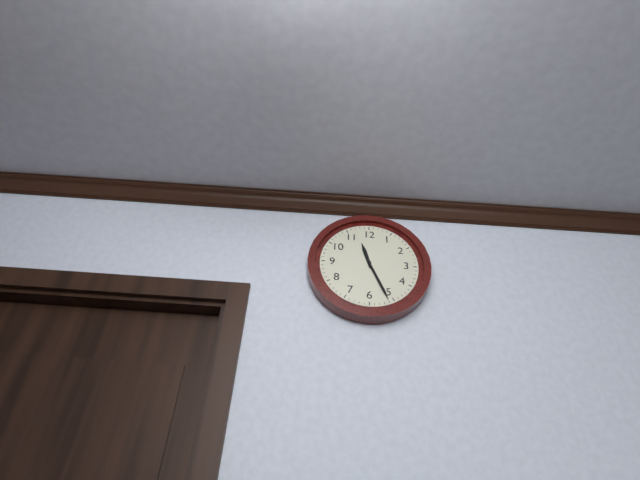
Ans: 11:26
